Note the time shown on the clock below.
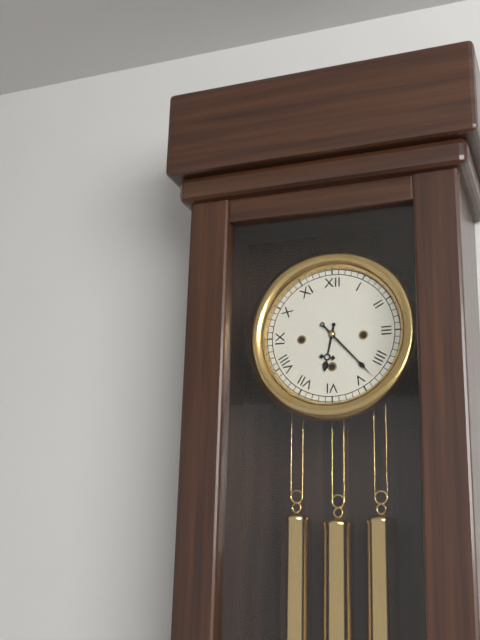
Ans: 6:23
